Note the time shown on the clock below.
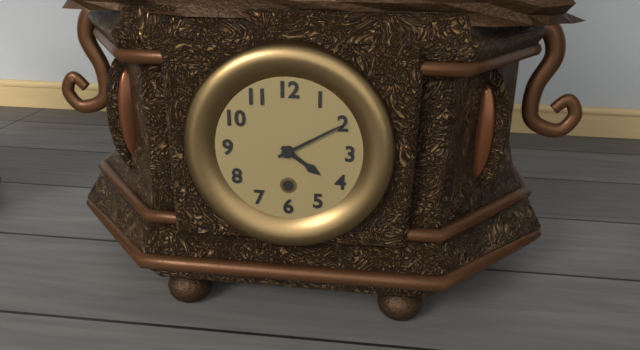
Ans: 4:10
